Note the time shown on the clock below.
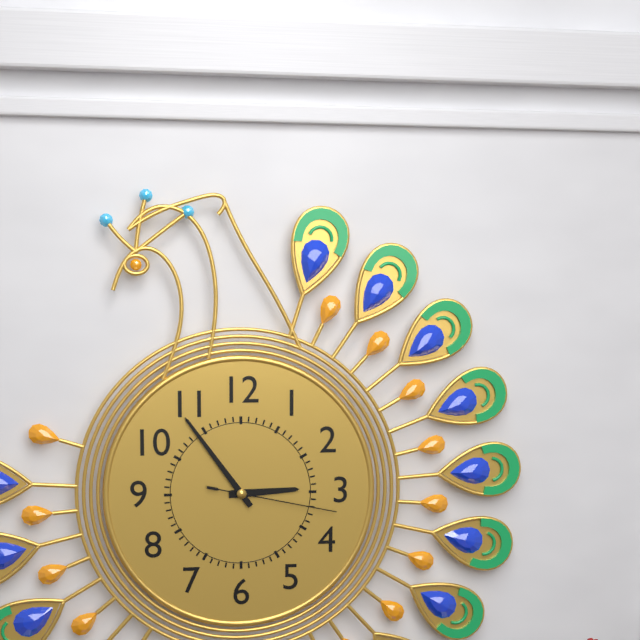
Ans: 2:54:17
